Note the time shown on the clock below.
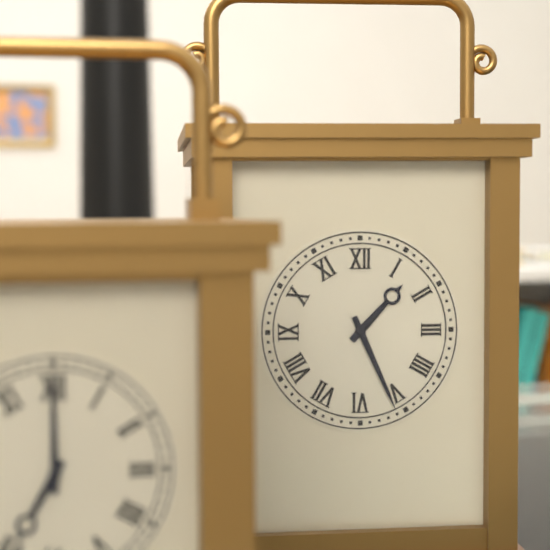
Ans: 1:26
